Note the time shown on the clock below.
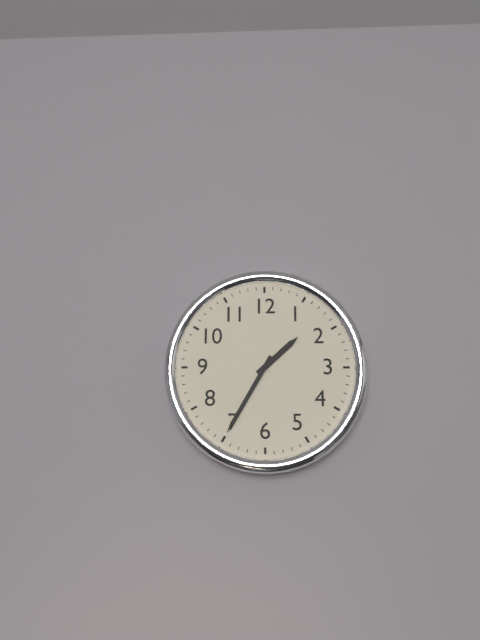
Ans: 1:35
